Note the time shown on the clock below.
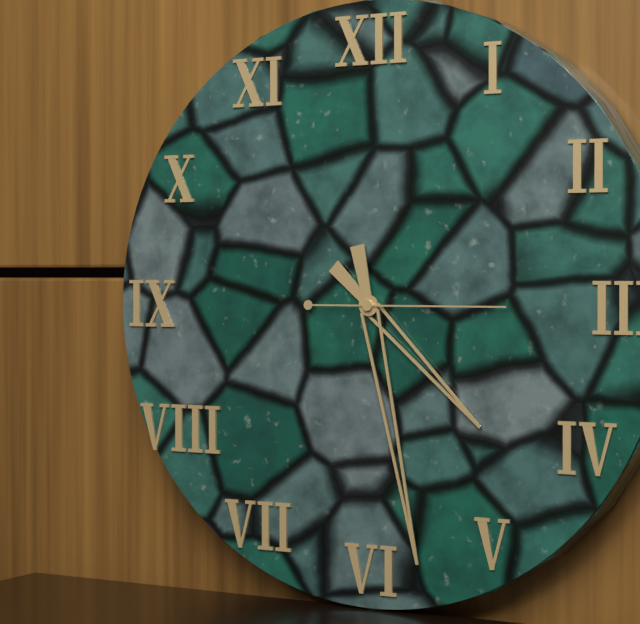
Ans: 4:28:15
